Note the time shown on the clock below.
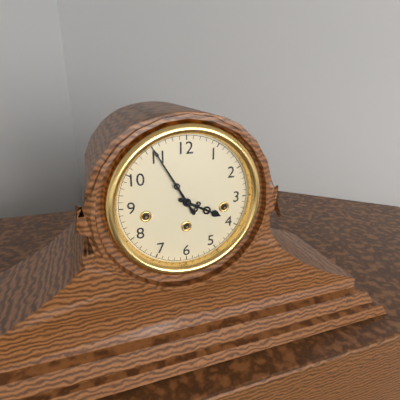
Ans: 3:55
